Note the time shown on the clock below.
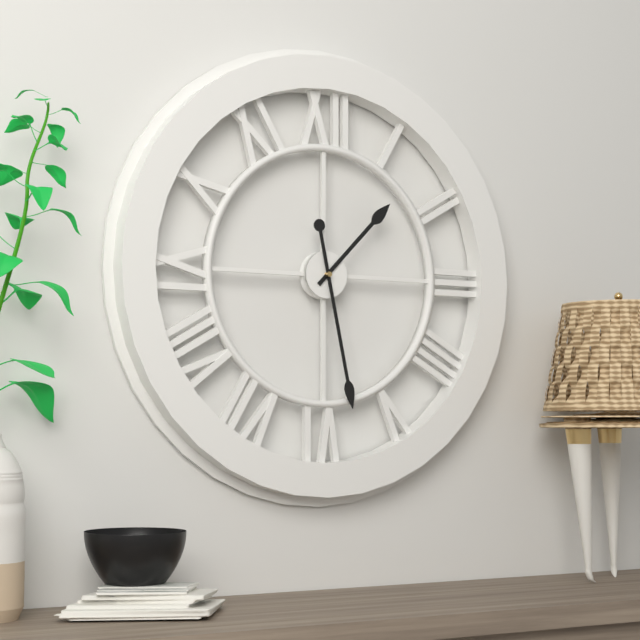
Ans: 1:28
